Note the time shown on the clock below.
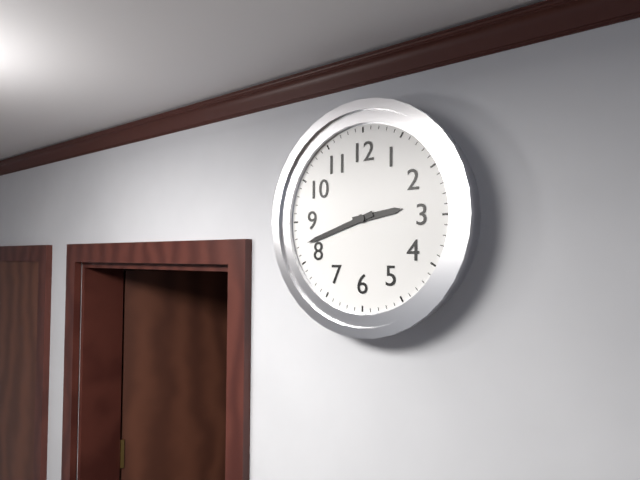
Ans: 2:42
